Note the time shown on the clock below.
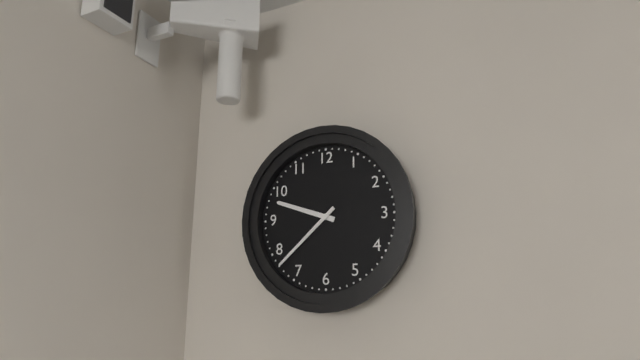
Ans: 9:38
